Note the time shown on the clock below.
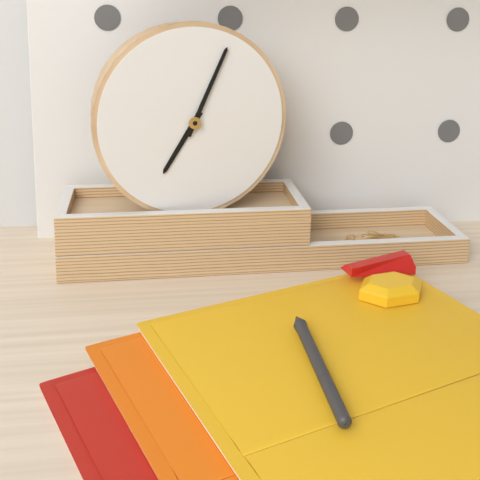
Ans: 7:04
